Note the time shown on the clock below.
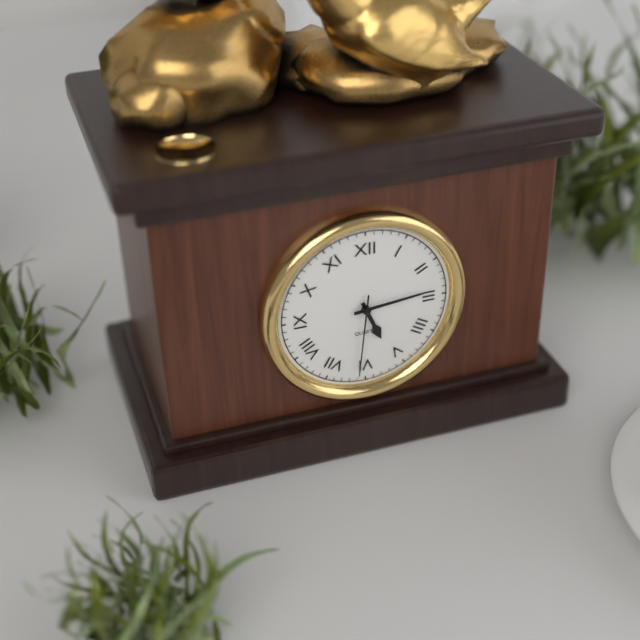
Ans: 5:14:31
